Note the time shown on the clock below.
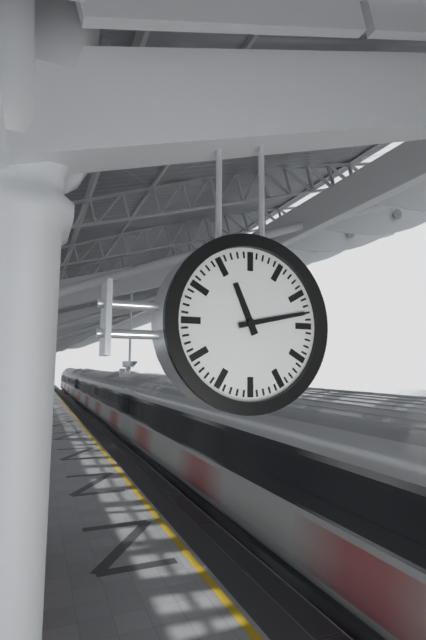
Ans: 11:13
